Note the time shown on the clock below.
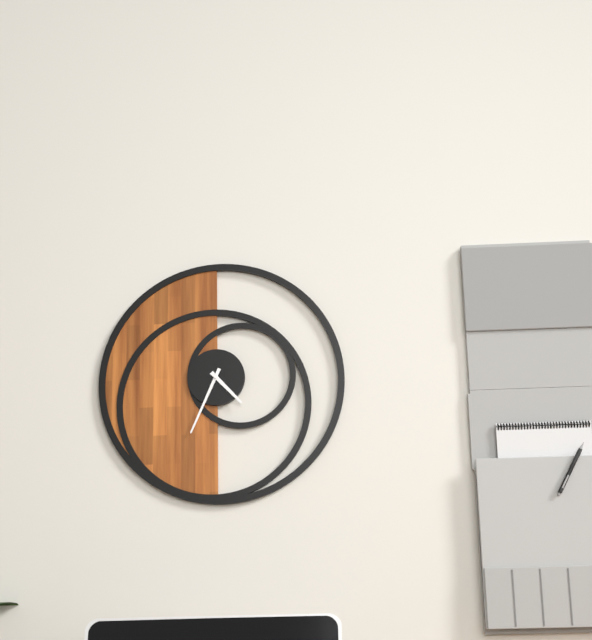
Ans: 4:34
